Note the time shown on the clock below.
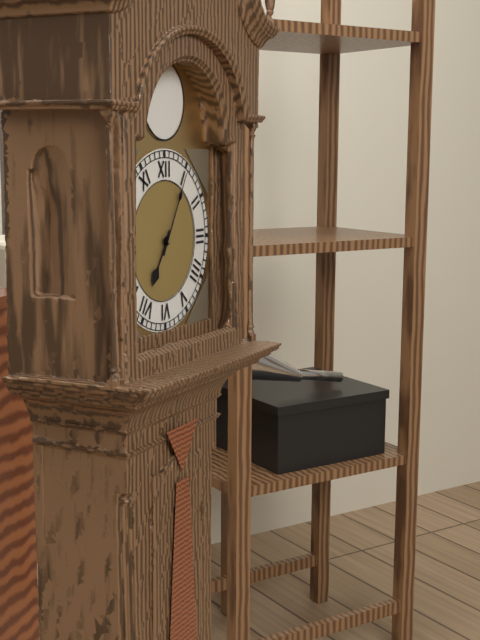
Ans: 7:05
